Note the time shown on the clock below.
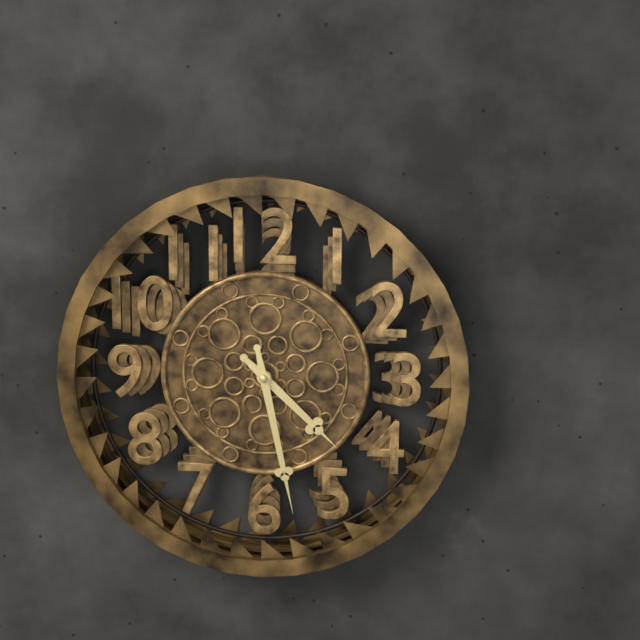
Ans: 4:28
